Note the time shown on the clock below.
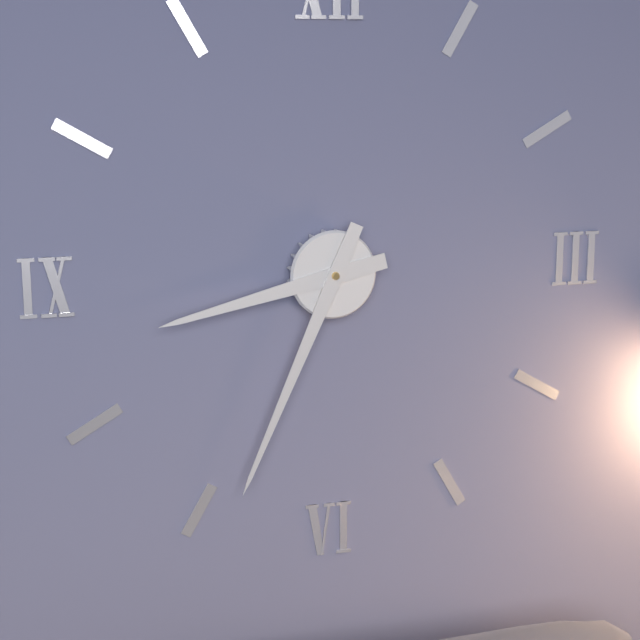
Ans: 8:34
